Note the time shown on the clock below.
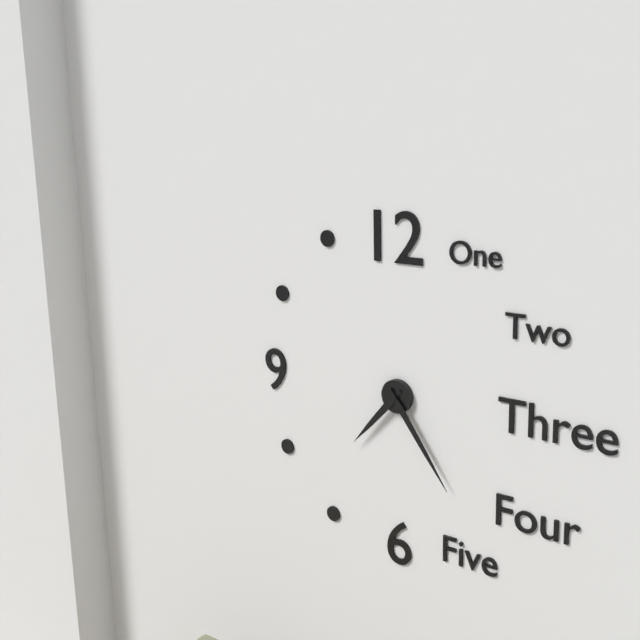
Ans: 7:24
